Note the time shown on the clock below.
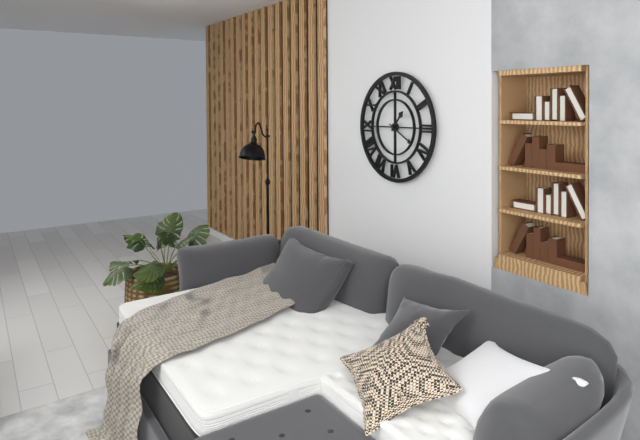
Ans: 1:20
